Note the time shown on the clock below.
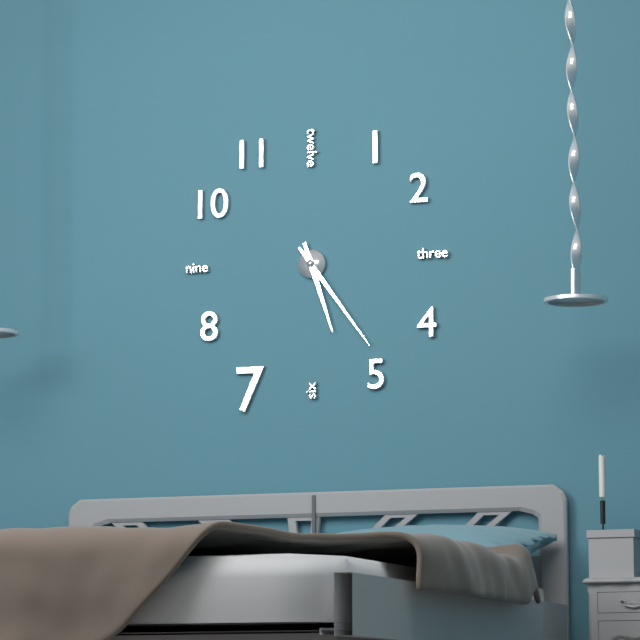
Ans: 5:24
